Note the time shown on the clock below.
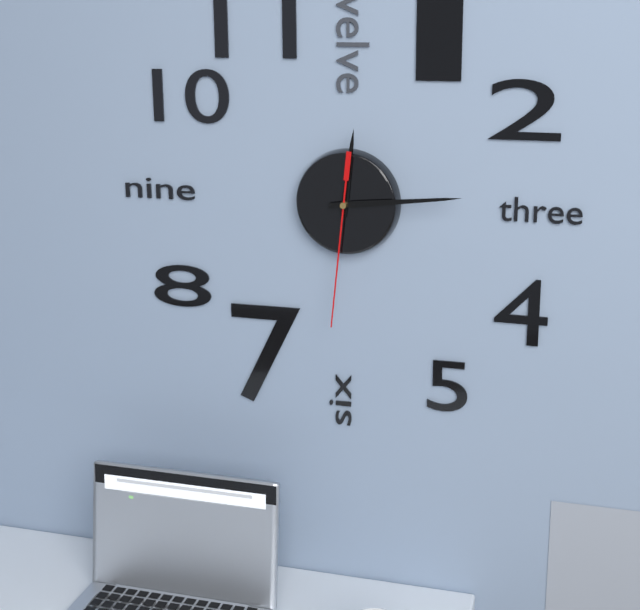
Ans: 12:14:31
